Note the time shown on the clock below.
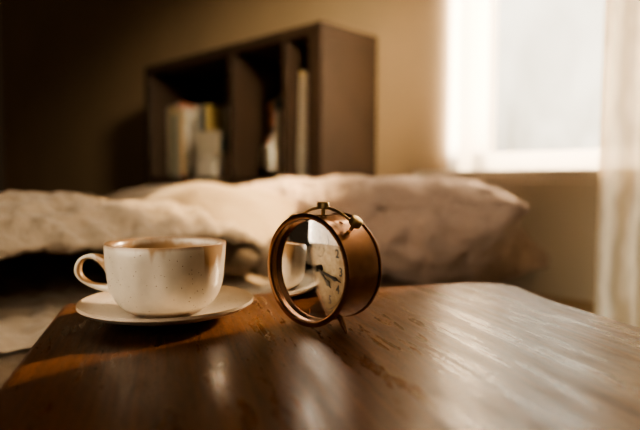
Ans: 4:17:30
